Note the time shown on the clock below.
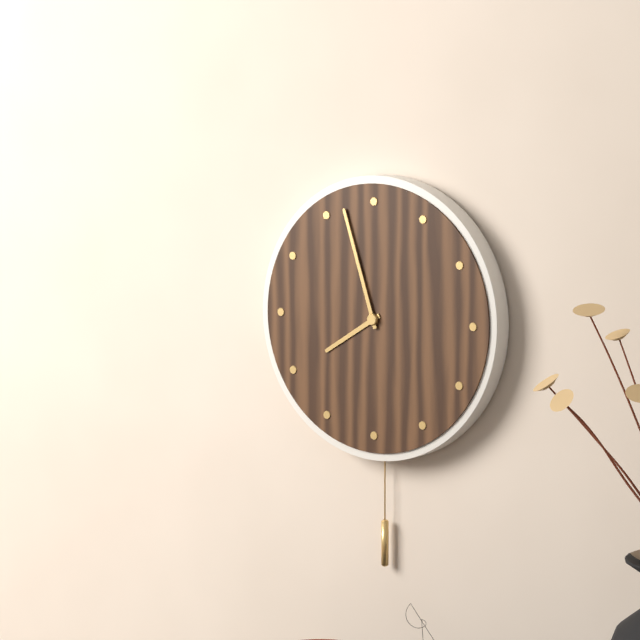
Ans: 7:57
